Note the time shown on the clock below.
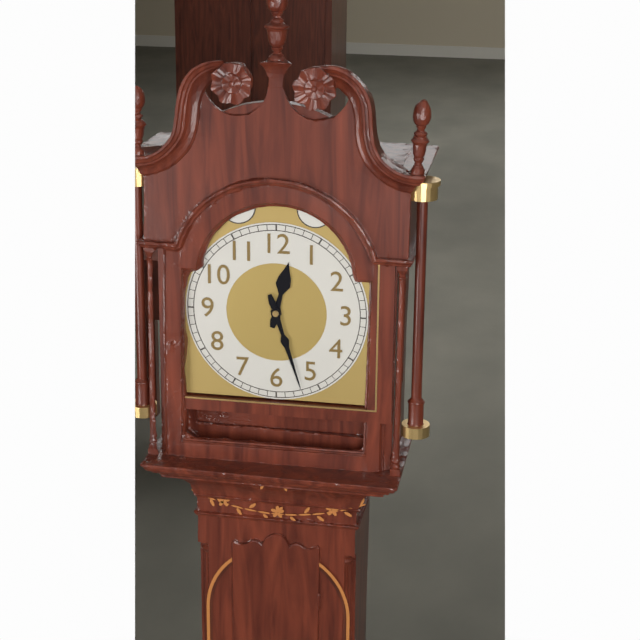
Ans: 12:27
